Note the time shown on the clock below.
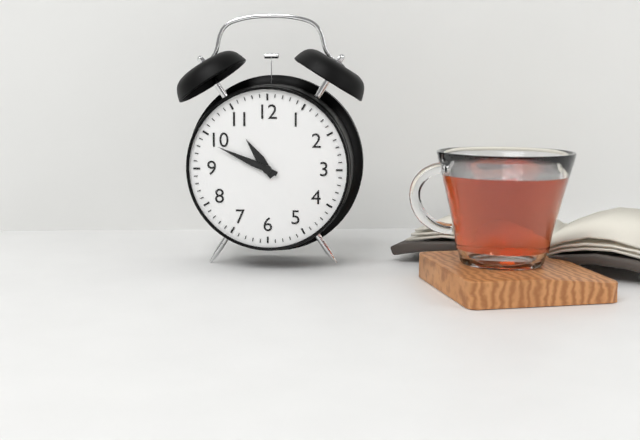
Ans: 10:49
